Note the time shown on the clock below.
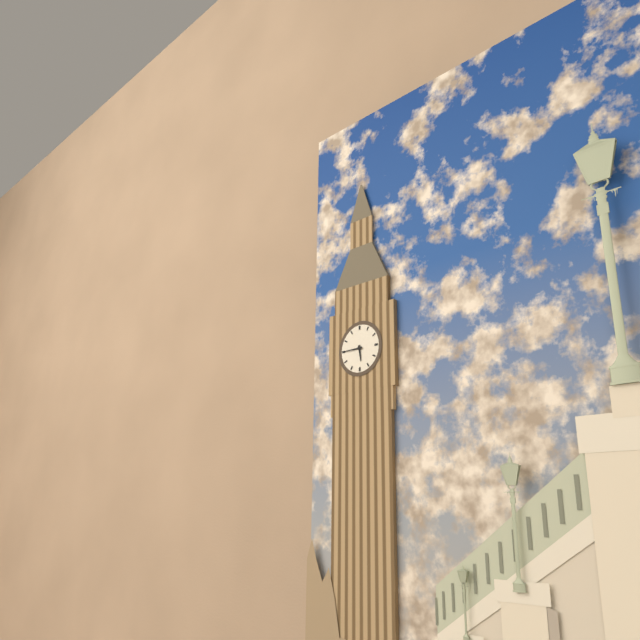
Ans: 5:45
